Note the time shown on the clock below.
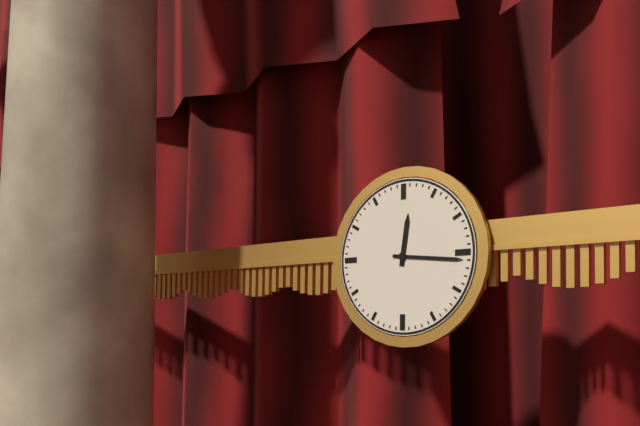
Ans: 12:16
